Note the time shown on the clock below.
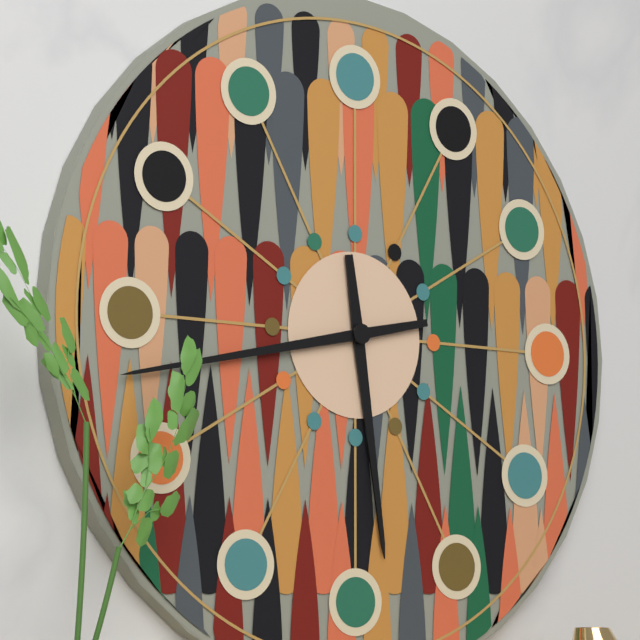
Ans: 5:43
